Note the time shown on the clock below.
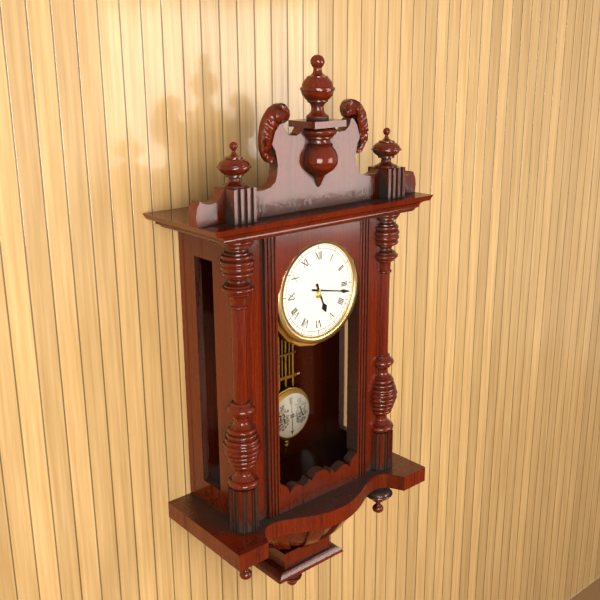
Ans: 5:17
